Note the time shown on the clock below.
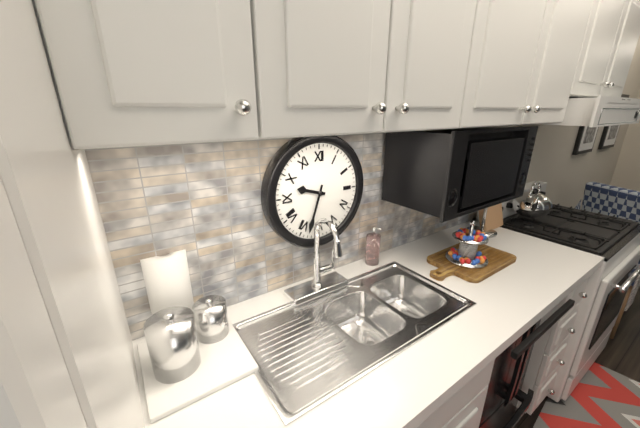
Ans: 9:33
